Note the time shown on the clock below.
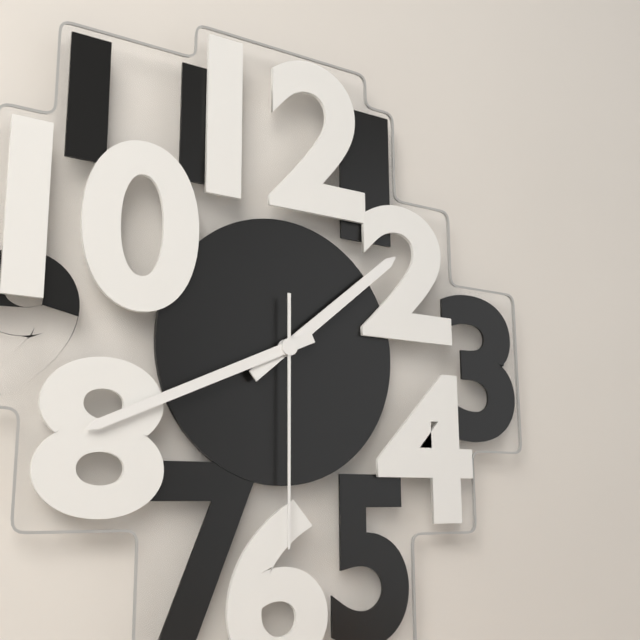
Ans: 1:41:30
